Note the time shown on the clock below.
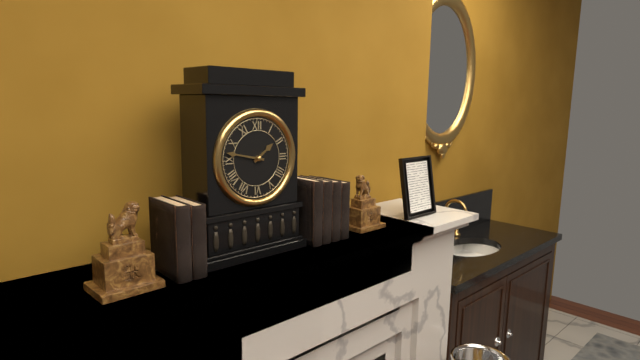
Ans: 1:47
